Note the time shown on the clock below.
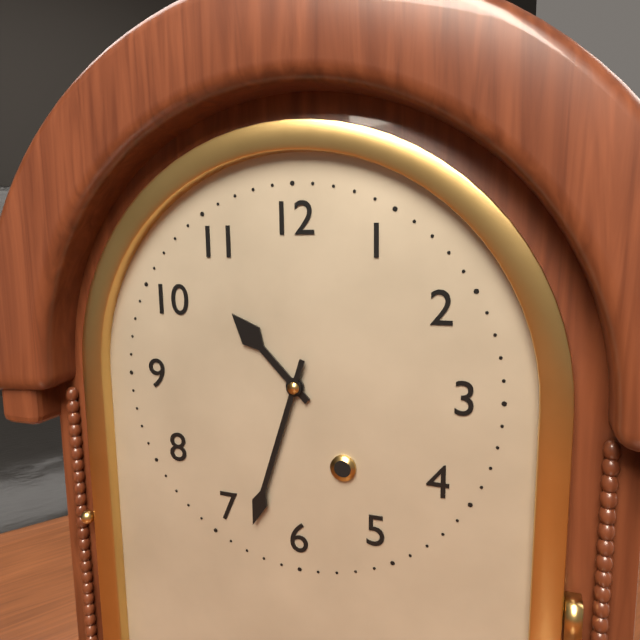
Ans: 10:33
